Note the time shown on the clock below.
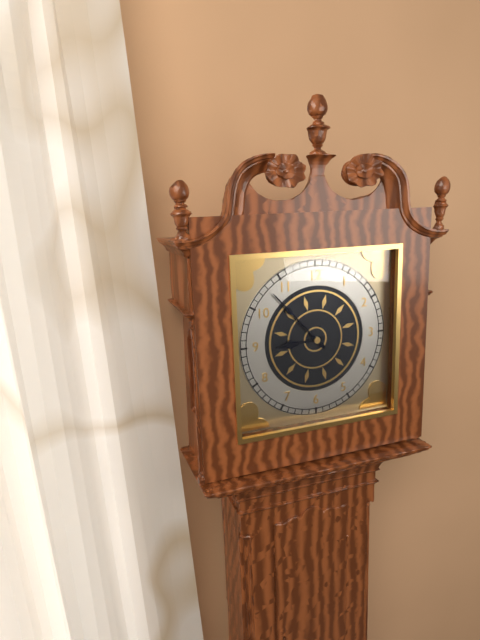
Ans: 8:53
